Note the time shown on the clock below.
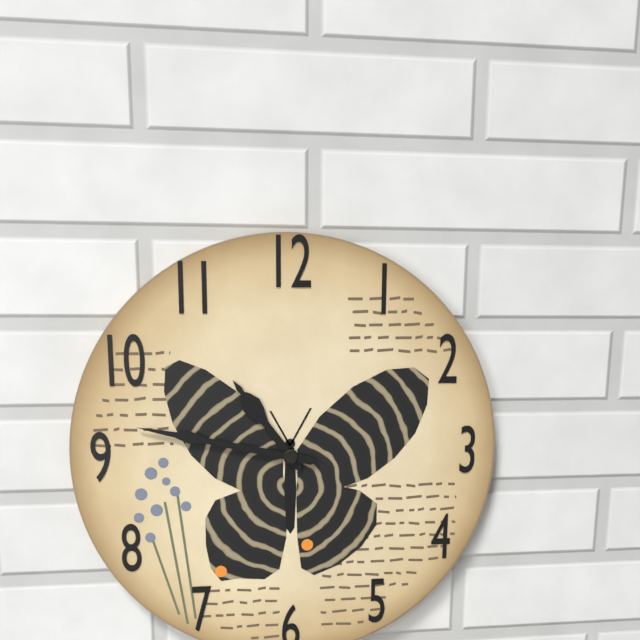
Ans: 10:47
